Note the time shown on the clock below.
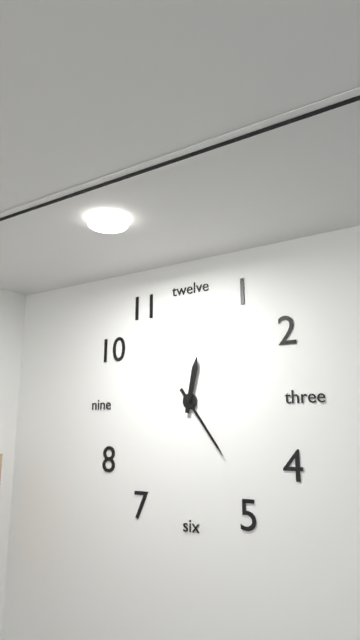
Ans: 12:24
